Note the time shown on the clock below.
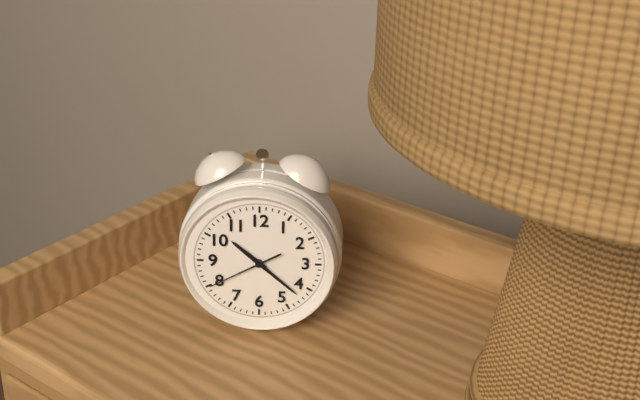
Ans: 10:22:40
